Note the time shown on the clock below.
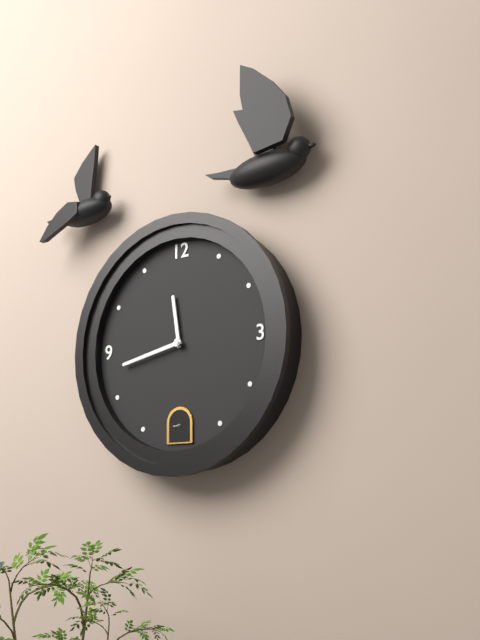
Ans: 11:43
